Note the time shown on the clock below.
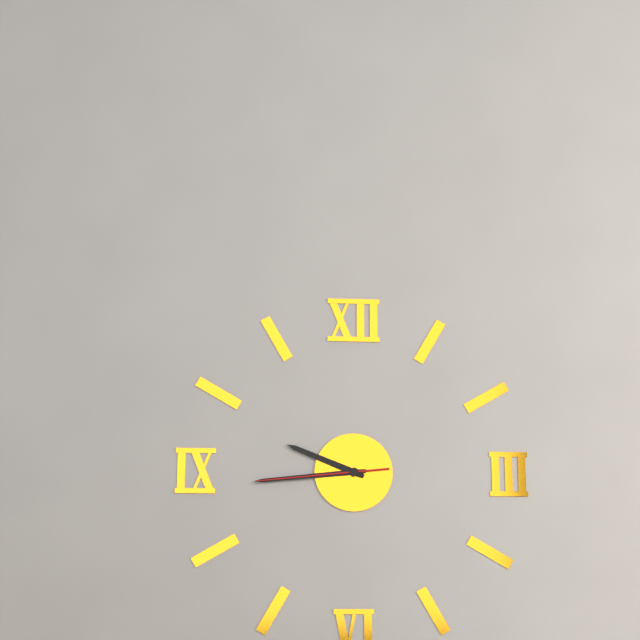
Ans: 9:44:44
